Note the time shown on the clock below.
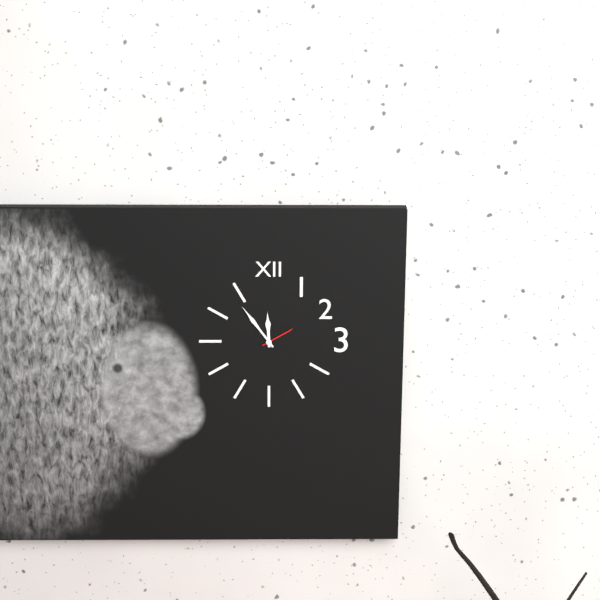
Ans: 11:54
